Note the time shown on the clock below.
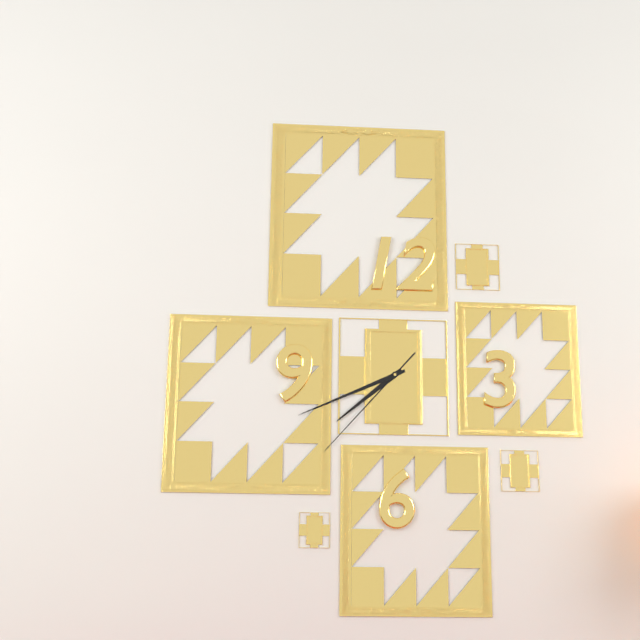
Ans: 7:41:37
